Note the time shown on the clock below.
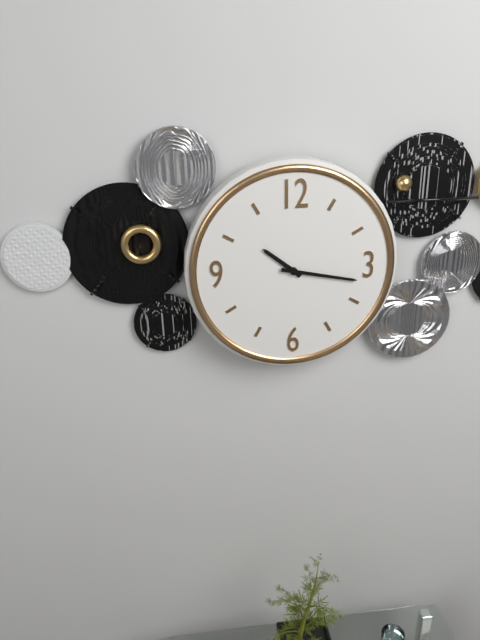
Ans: 10:17
